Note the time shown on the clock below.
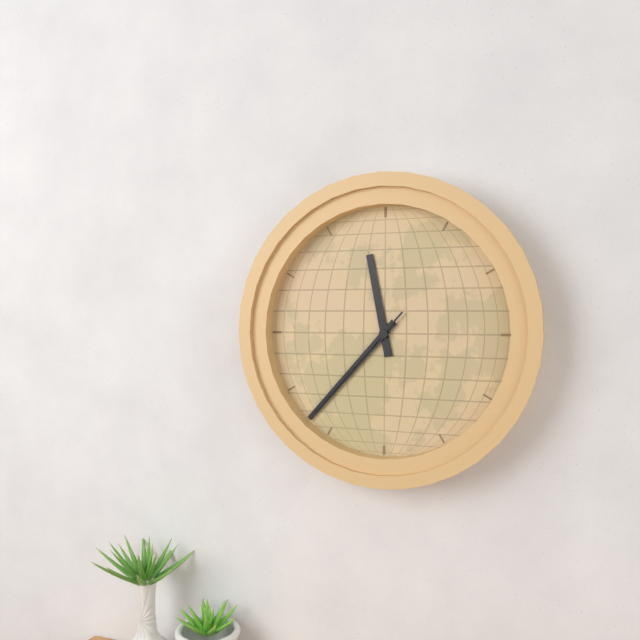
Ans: 11:37:37
